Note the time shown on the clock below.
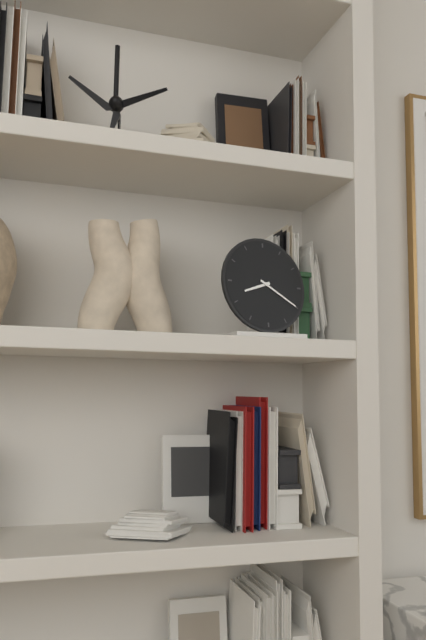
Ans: 8:20
